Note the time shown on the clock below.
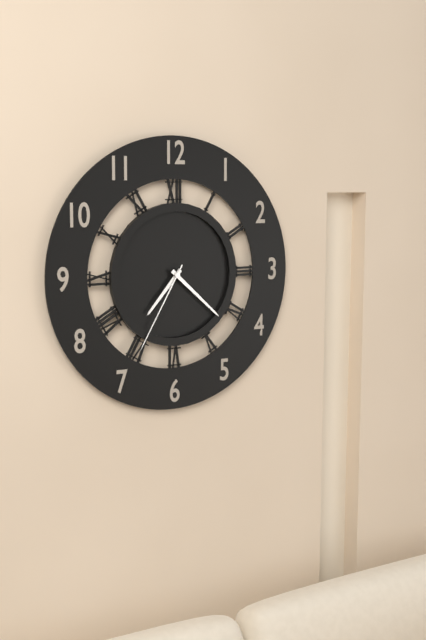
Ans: 7:22:35
